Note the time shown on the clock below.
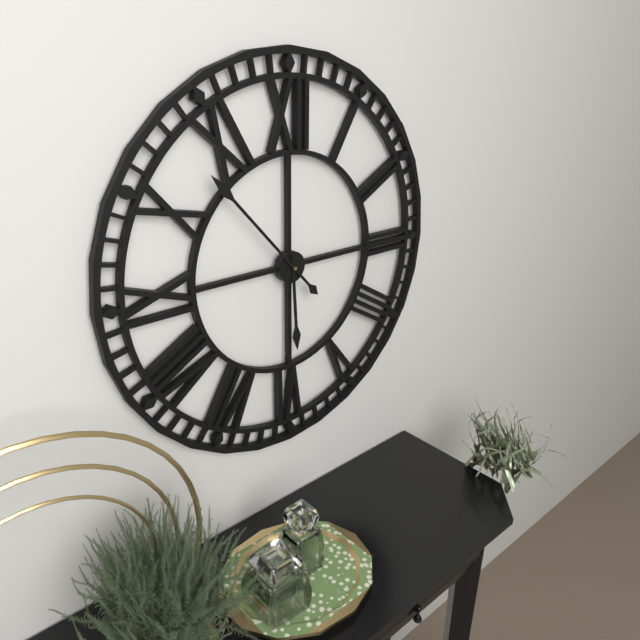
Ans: 5:53
